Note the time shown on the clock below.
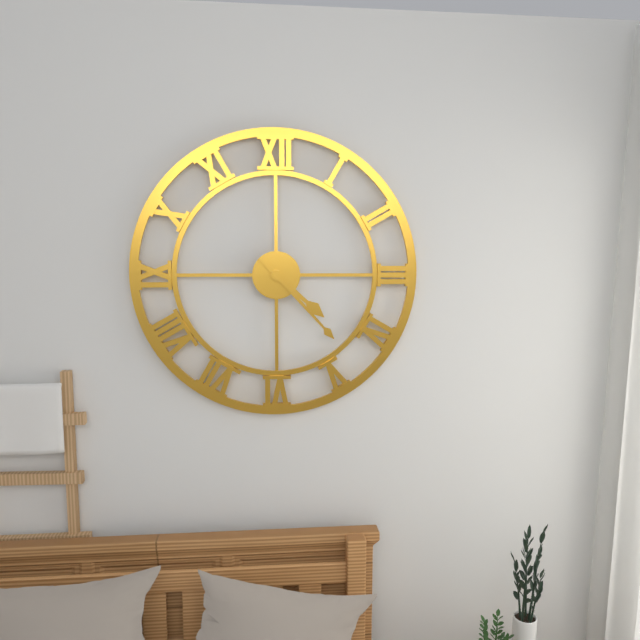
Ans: 4:23
